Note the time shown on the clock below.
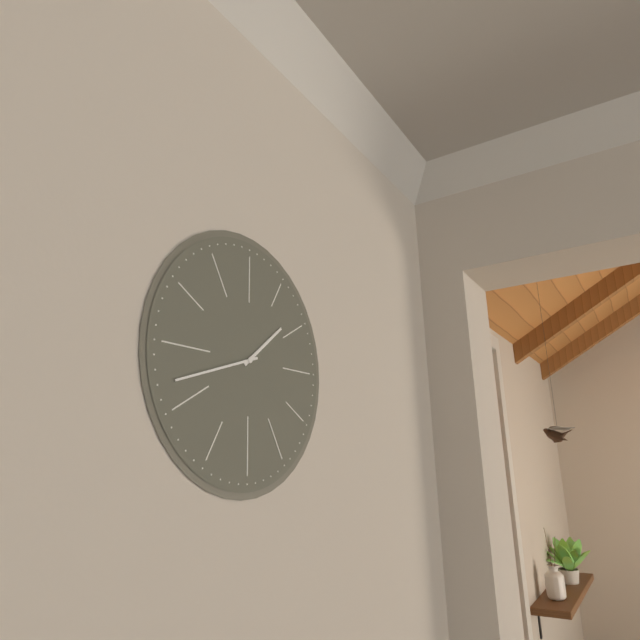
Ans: 1:42
